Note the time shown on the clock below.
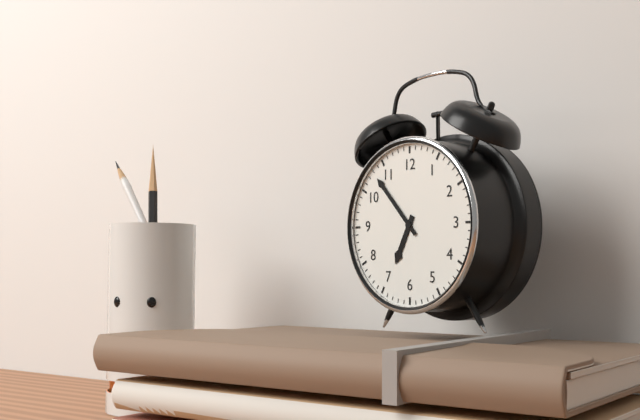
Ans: 6:53
